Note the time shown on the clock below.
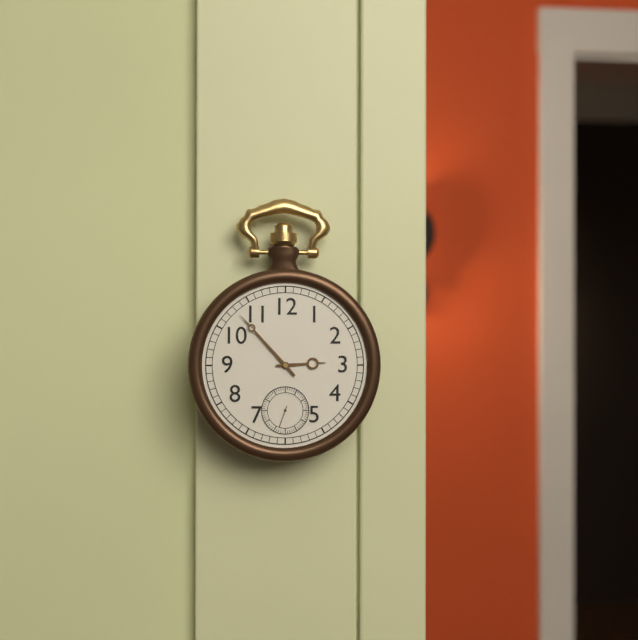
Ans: 2:53
